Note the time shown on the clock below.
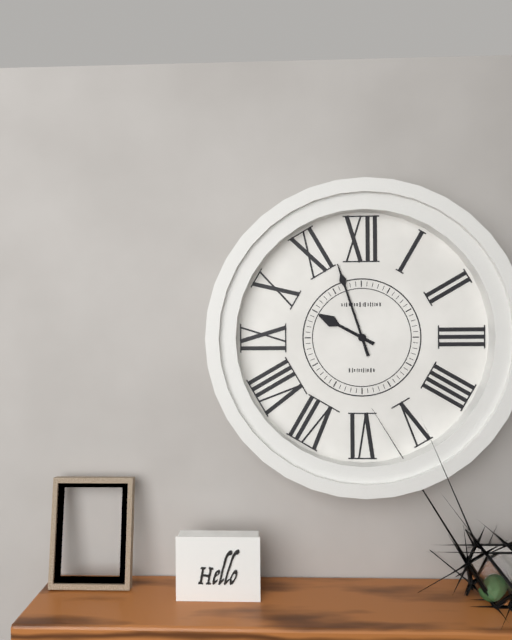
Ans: 9:57
